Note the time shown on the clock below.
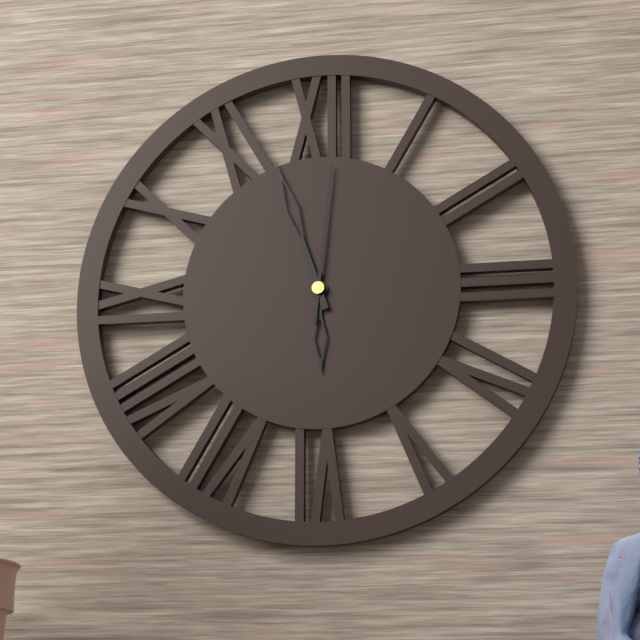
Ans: 5:57:01
